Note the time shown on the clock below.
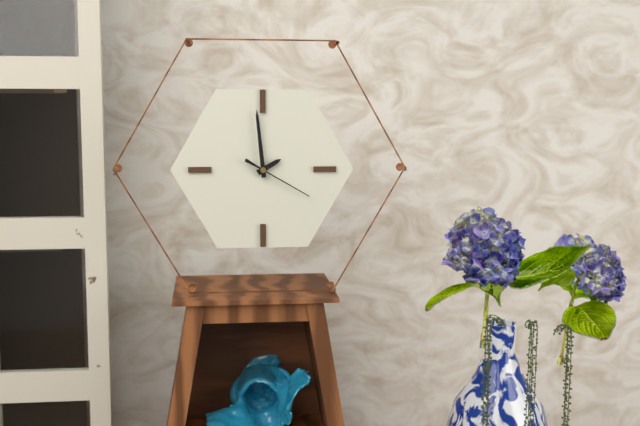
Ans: 1:59:20
